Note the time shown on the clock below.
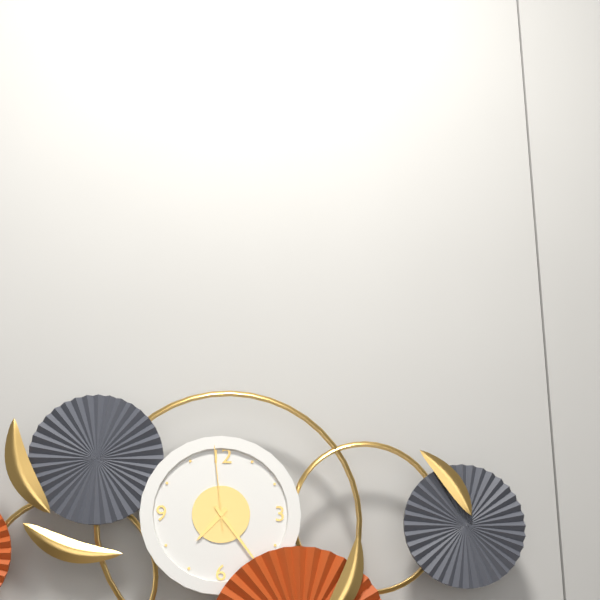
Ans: 7:24:59
